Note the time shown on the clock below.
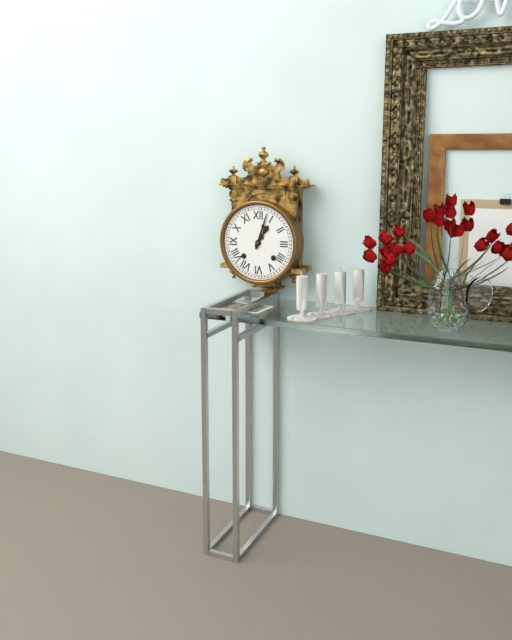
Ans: 1:03
